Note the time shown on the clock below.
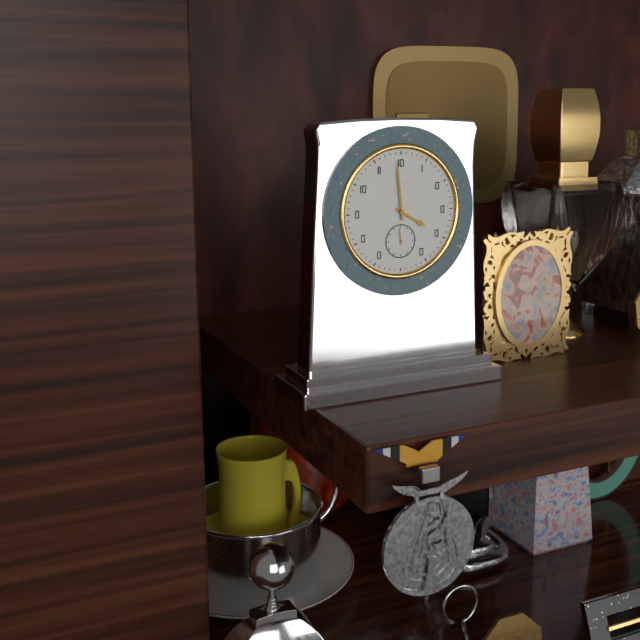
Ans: 3:59
